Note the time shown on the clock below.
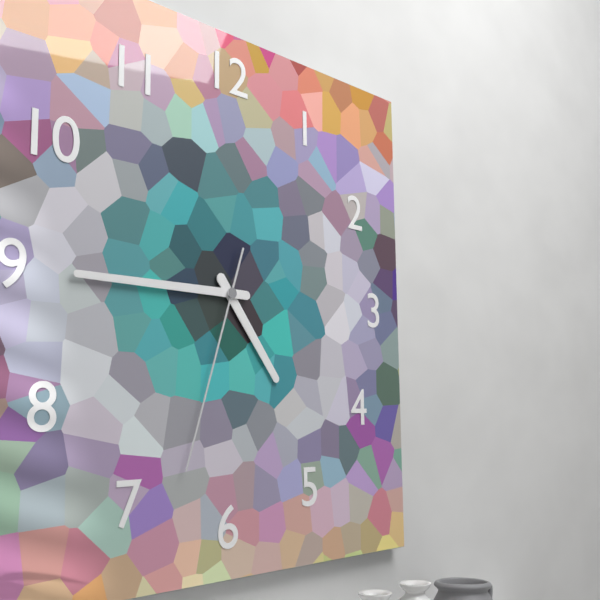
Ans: 4:45:33
